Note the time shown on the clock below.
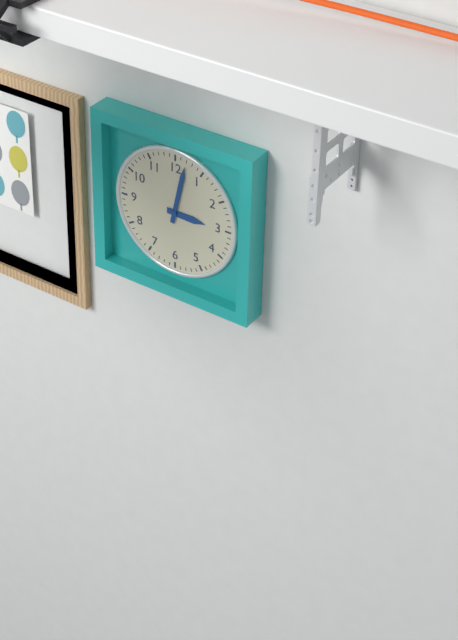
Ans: 3:02
